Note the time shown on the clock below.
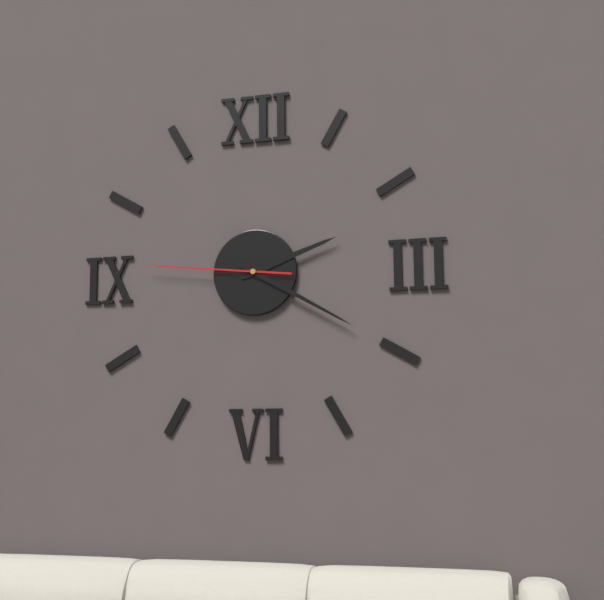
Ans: 2:20:46
